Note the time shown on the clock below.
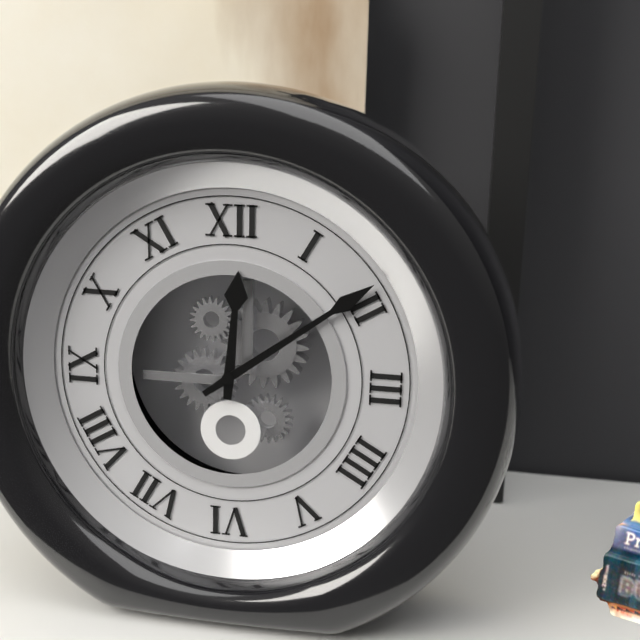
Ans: 12:09
